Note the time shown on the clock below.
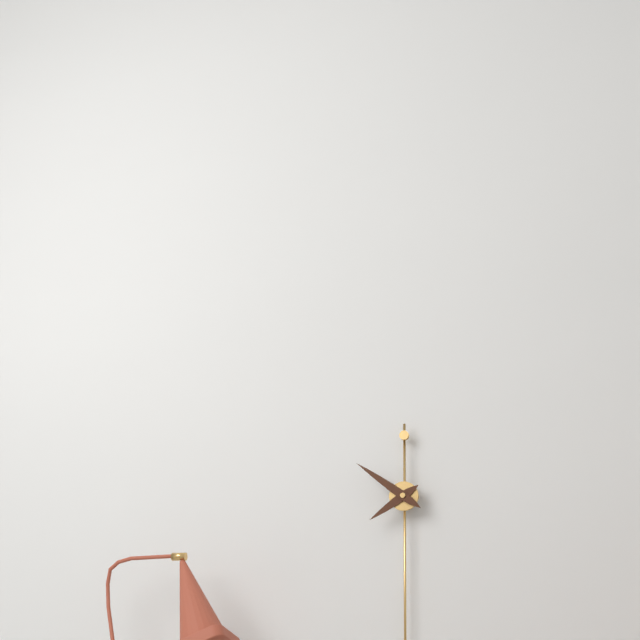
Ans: 7:51
